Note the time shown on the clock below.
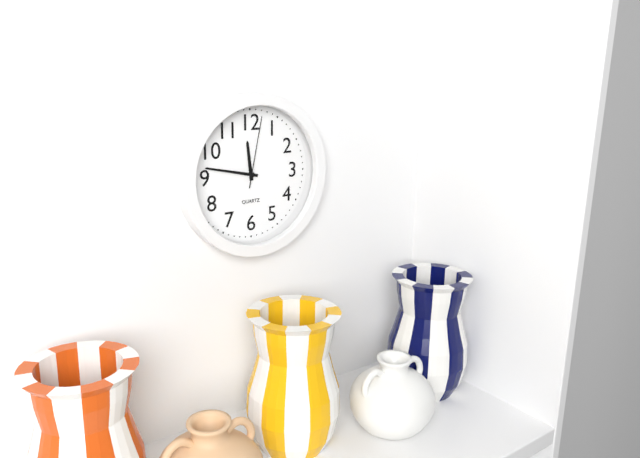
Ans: 11:47:02
